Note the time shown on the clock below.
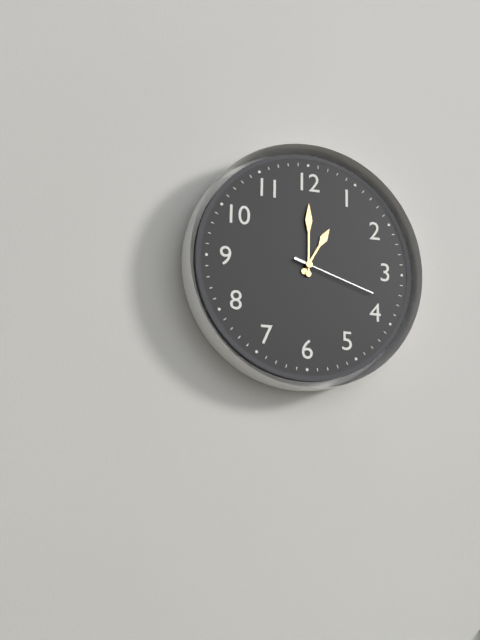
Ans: 1:00:18
